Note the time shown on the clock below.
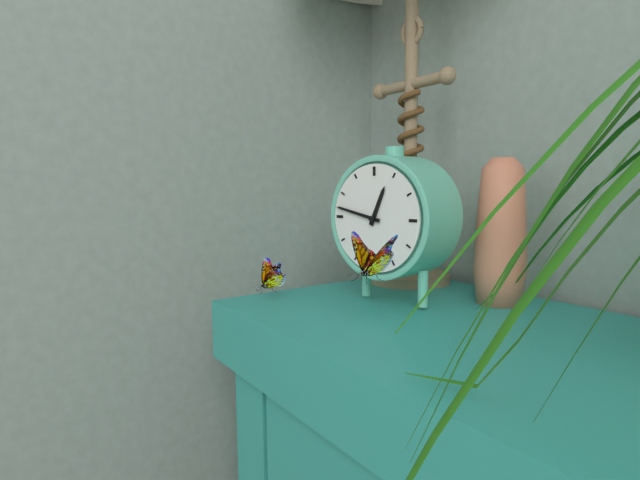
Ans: 12:47
